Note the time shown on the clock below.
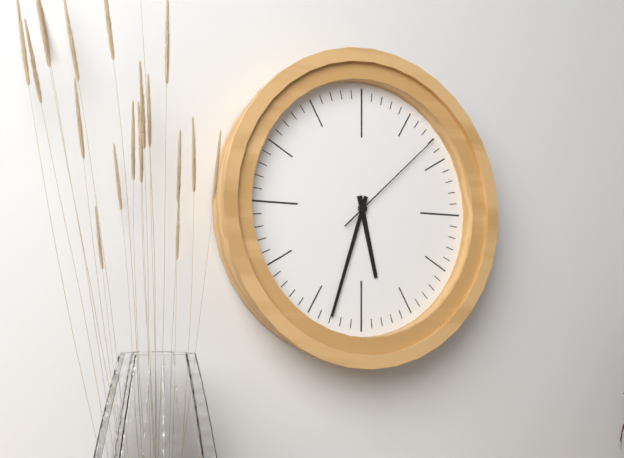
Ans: 5:33:08
